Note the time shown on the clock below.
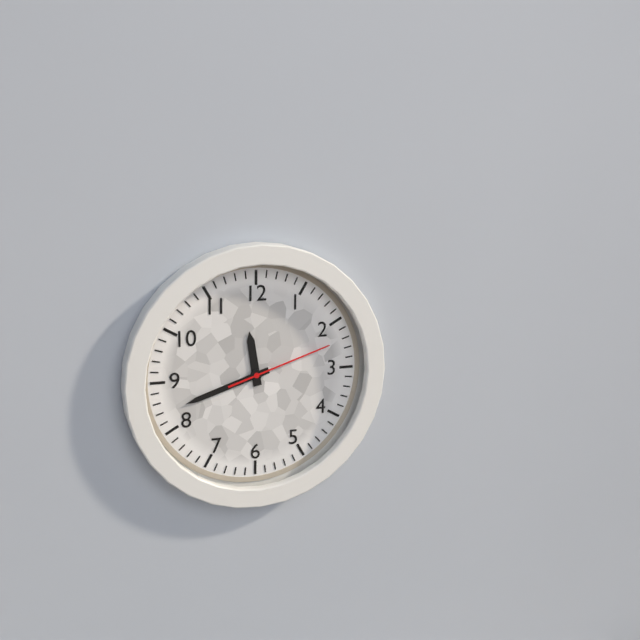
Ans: 11:42:12
